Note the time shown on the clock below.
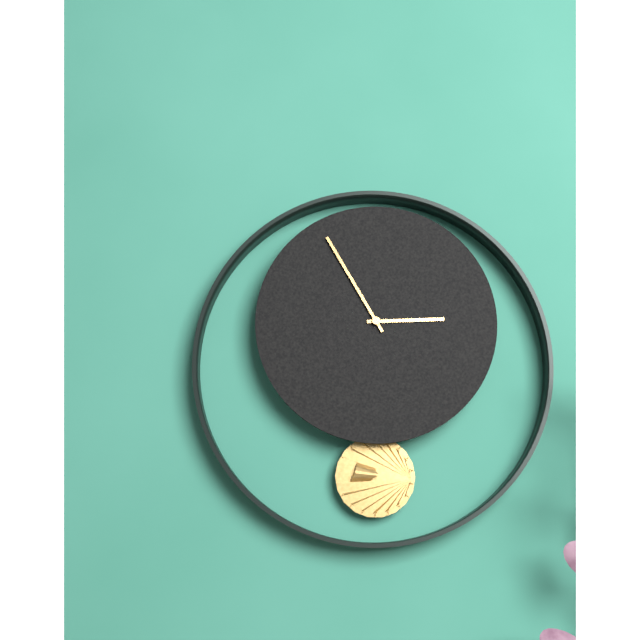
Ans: 2:55
